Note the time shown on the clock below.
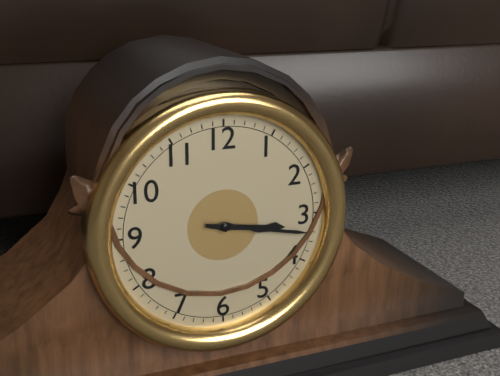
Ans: 3:17
